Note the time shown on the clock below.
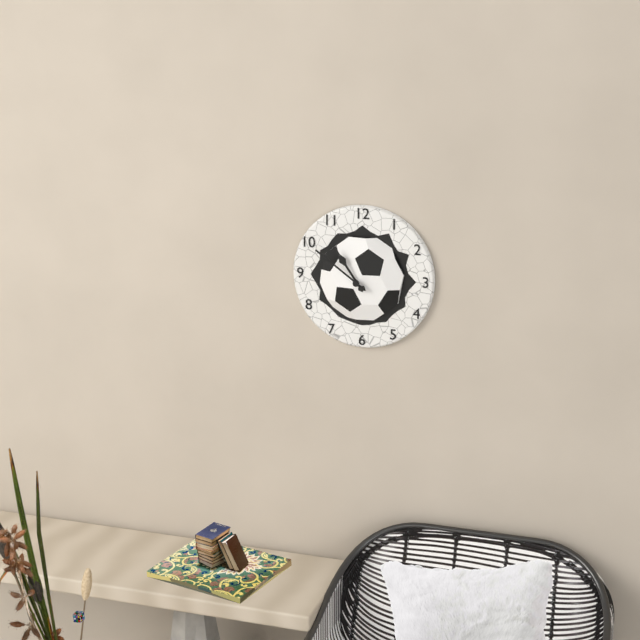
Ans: 10:51
